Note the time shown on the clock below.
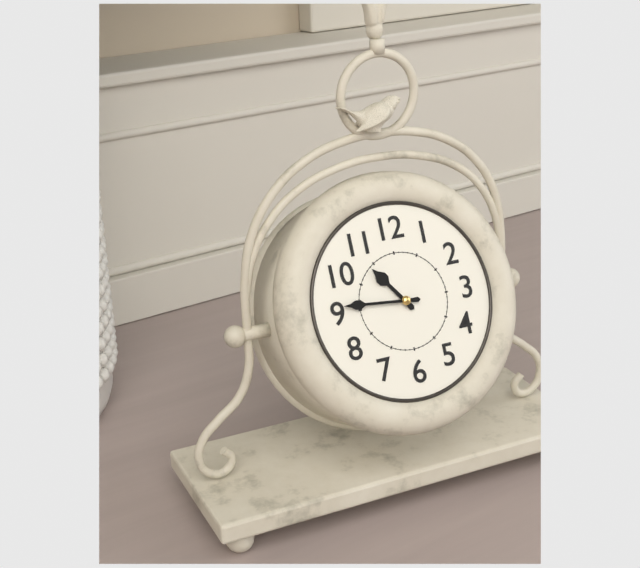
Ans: 10:46
